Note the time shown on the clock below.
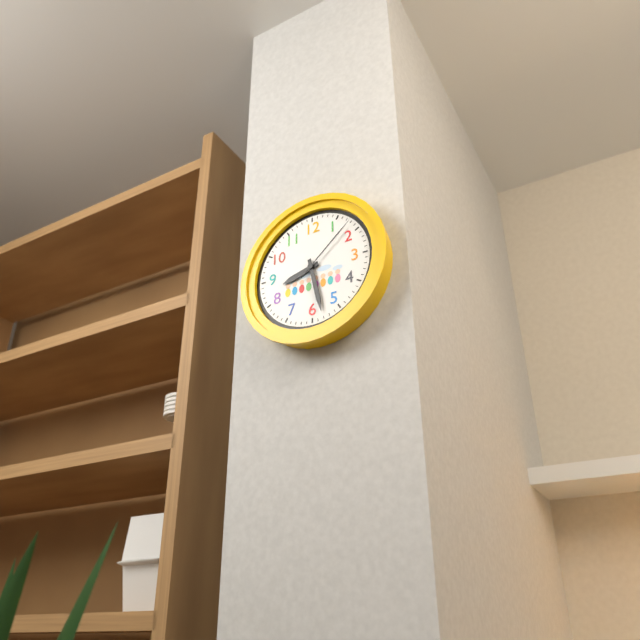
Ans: 8:28:08
